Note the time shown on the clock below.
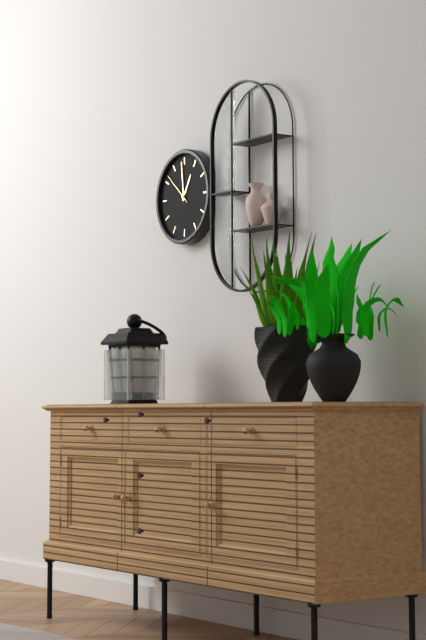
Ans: 12:59
